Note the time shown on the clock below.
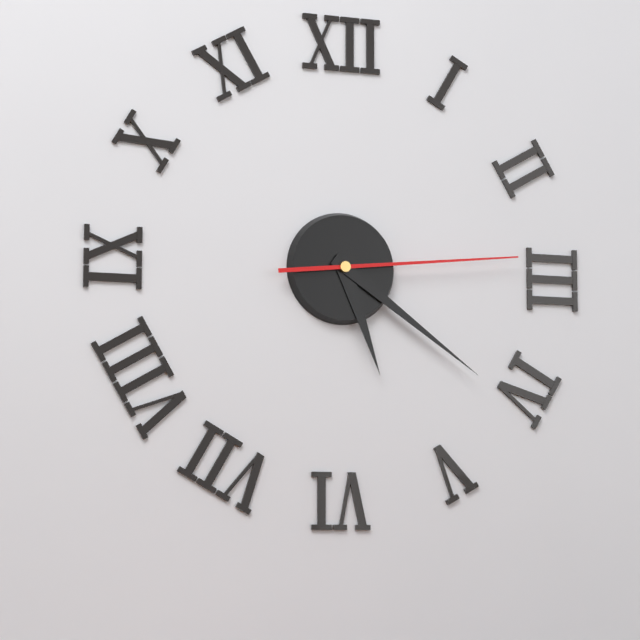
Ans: 5:21:14
